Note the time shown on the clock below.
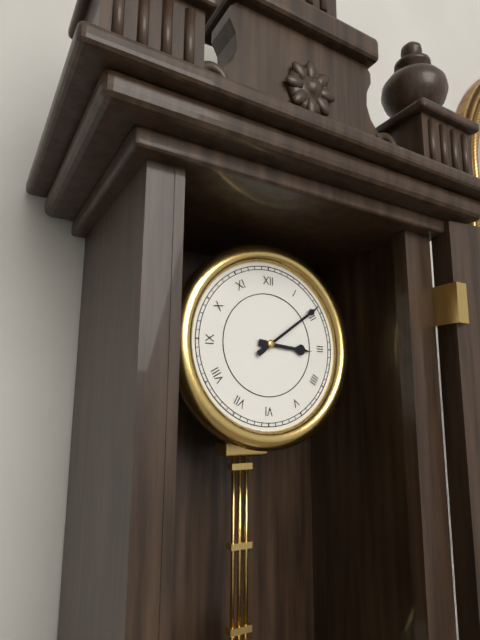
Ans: 3:09
